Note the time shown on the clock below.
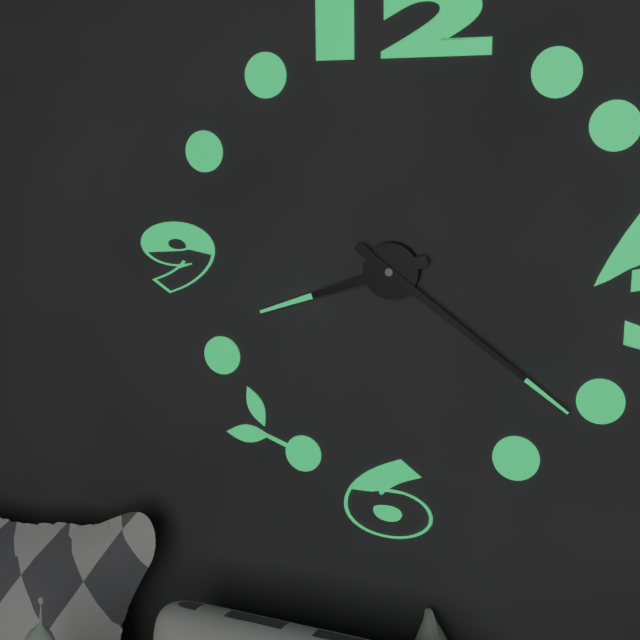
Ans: 8:21
